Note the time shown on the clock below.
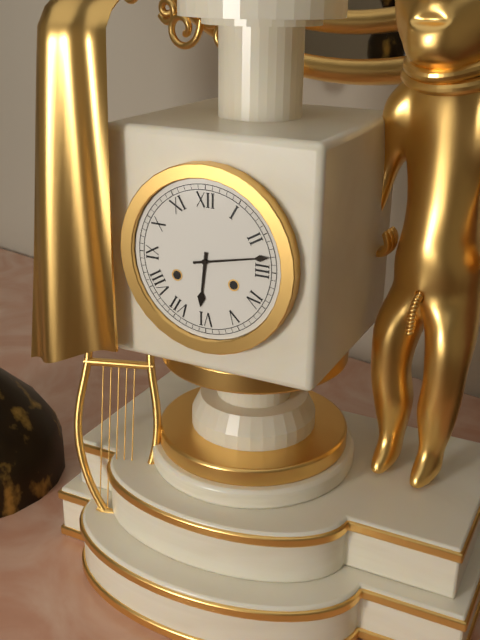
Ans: 6:13
